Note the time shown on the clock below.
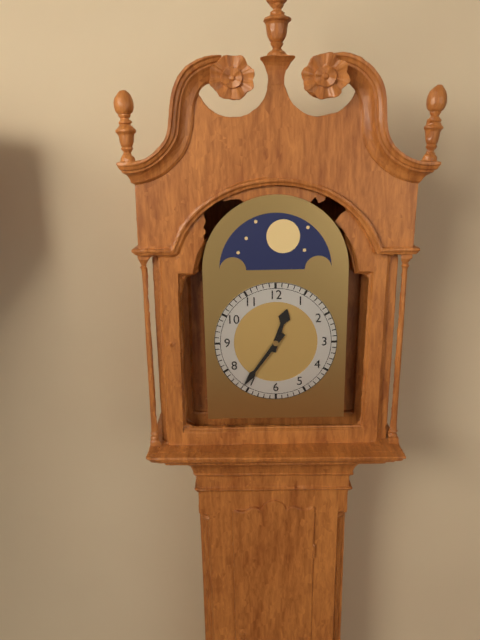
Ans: 12:36
